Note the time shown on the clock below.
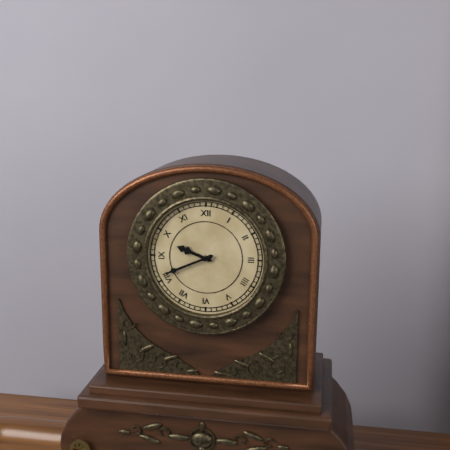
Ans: 9:41
